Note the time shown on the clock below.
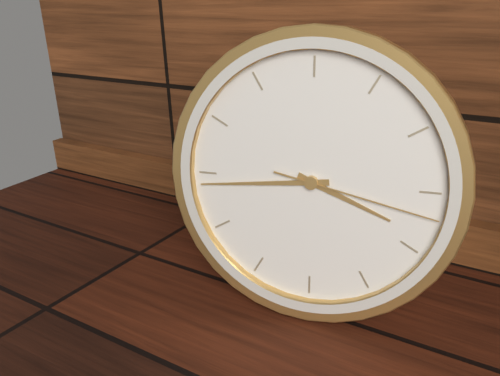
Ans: 3:44:17
